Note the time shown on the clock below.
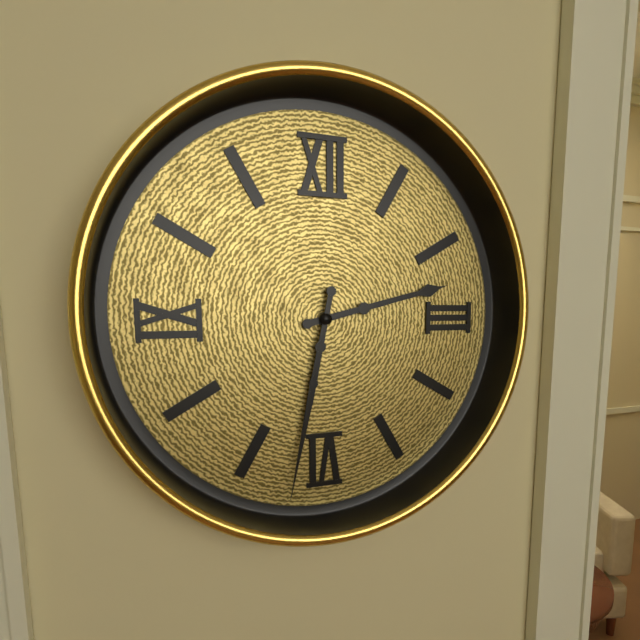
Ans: 2:32
